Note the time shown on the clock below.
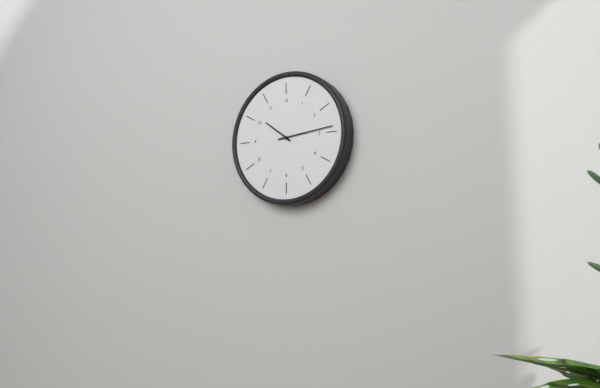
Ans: 10:14
